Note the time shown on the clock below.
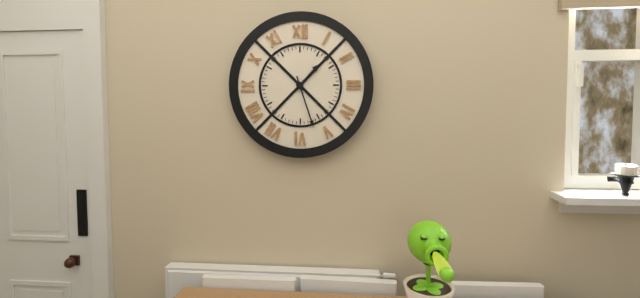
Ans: 1:27
